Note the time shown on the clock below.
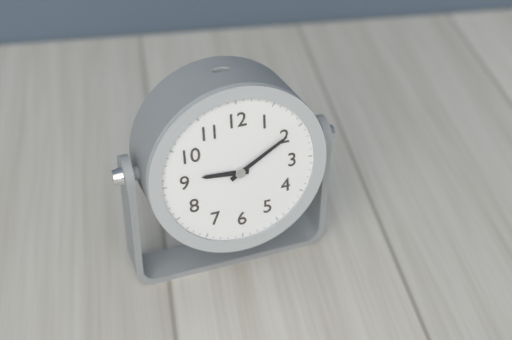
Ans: 9:10
